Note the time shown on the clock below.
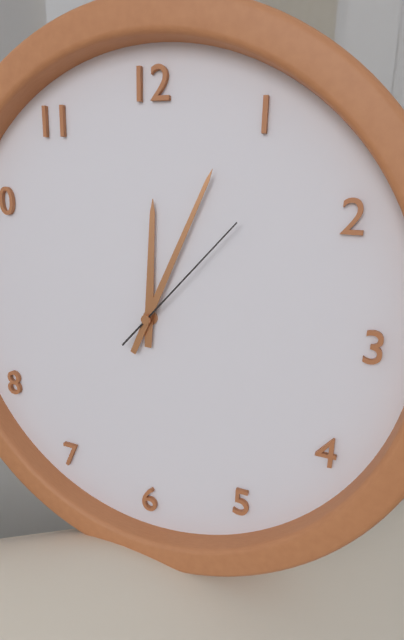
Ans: 12:04:07
